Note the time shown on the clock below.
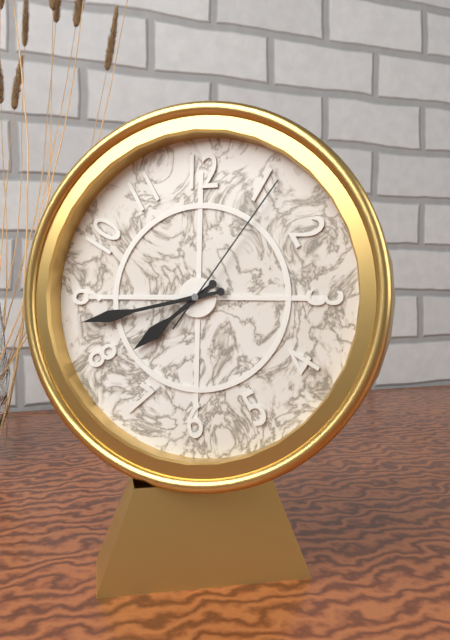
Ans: 7:43:06
